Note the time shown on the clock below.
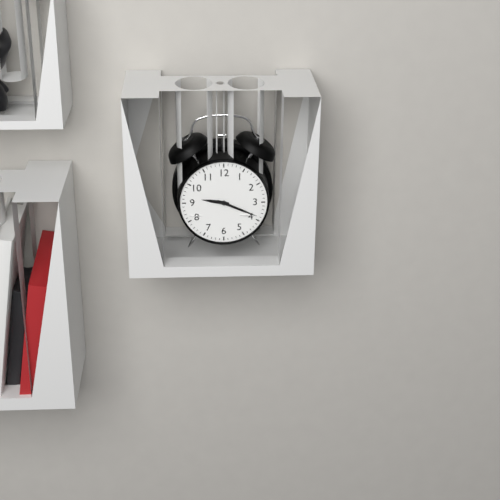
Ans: 9:19
